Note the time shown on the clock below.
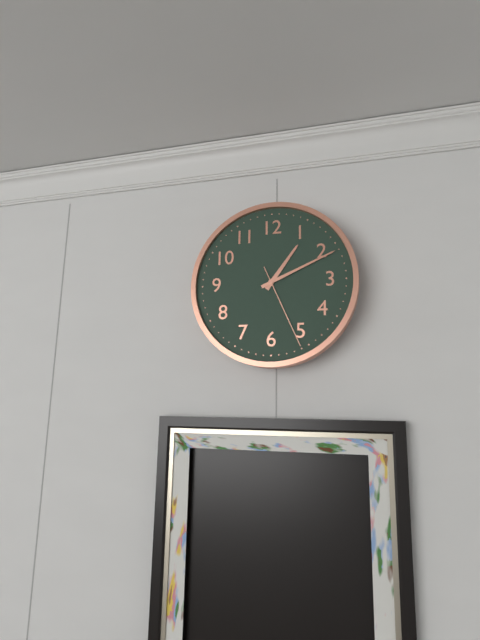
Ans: 1:11:26
